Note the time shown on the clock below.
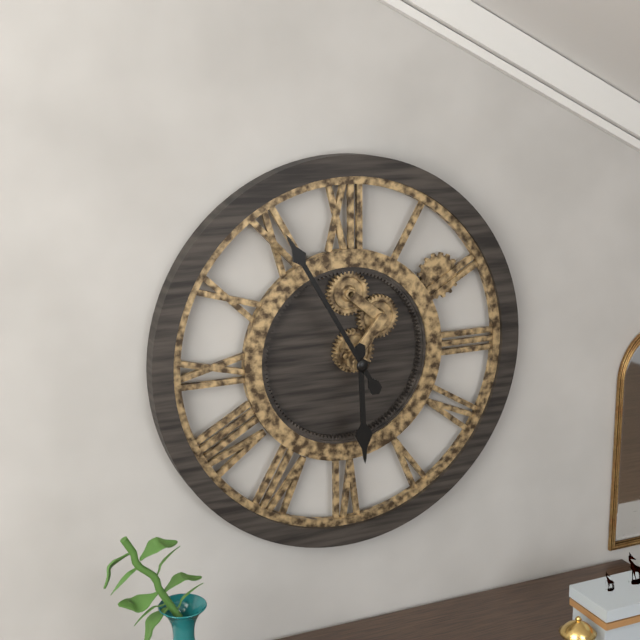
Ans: 5:55
